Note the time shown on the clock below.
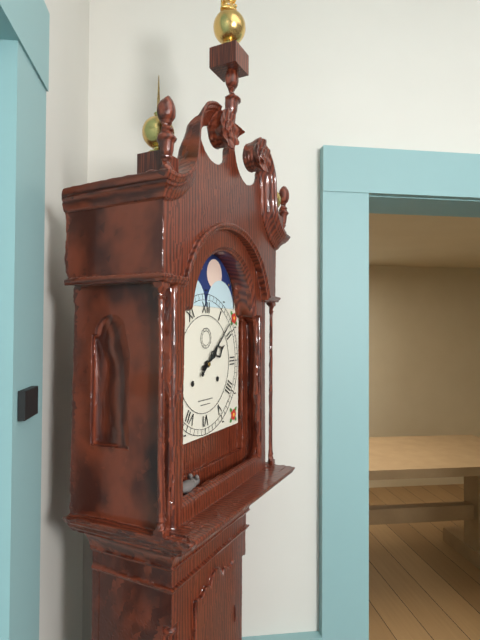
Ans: 2:08
